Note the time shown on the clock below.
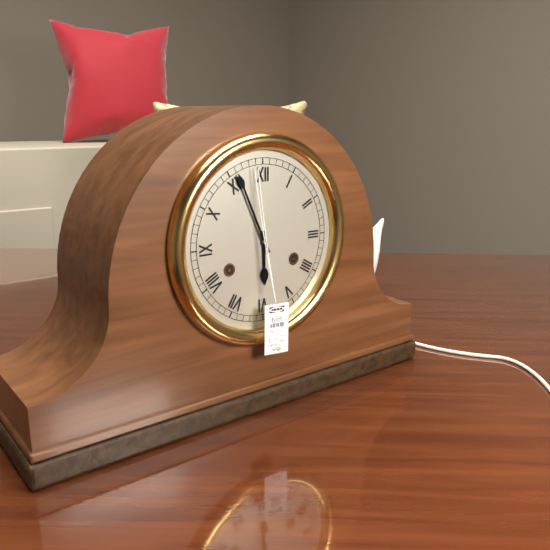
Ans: 5:56
